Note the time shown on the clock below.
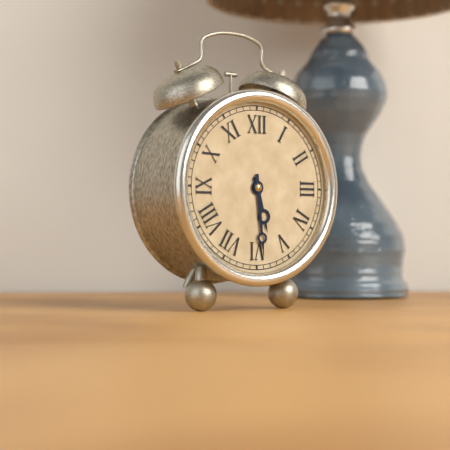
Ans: 5:29
